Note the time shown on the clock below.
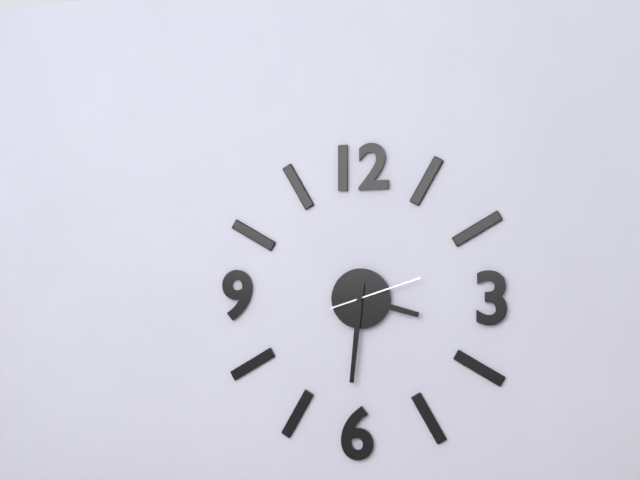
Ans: 3:31:12
